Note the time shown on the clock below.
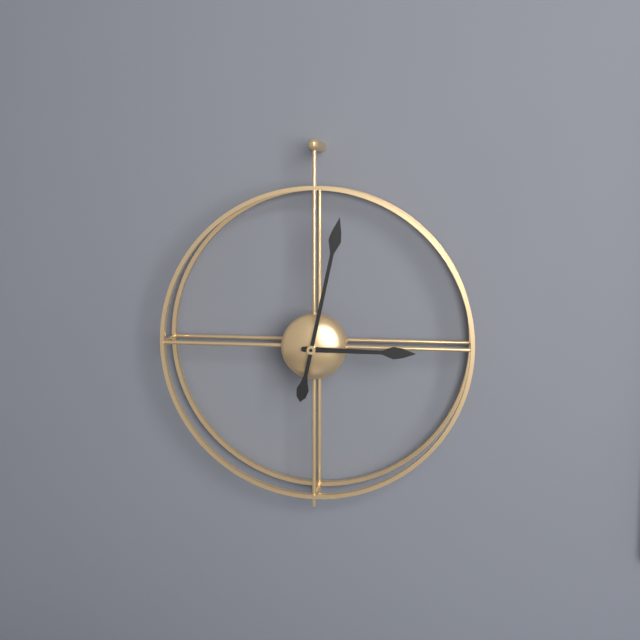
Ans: 3:02
